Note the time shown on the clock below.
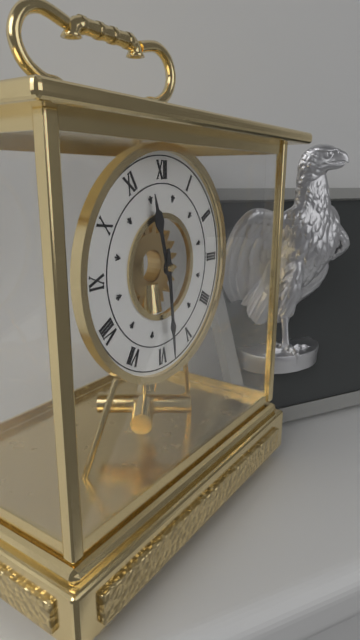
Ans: 11:29
